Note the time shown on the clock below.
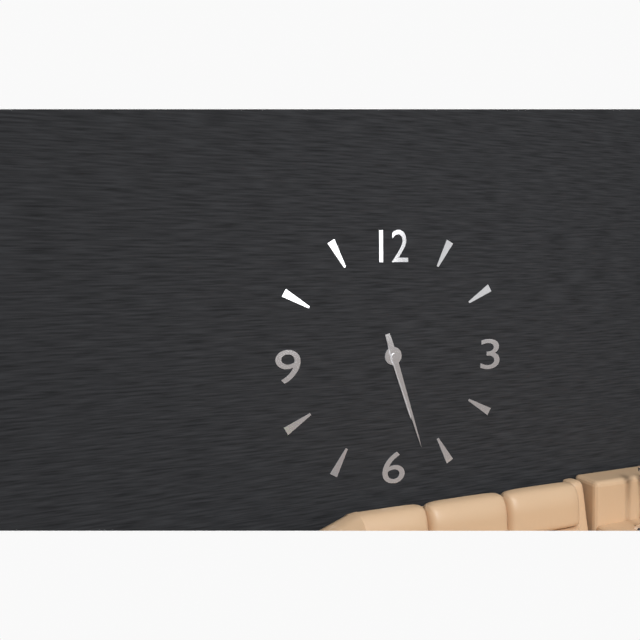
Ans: 5:27
